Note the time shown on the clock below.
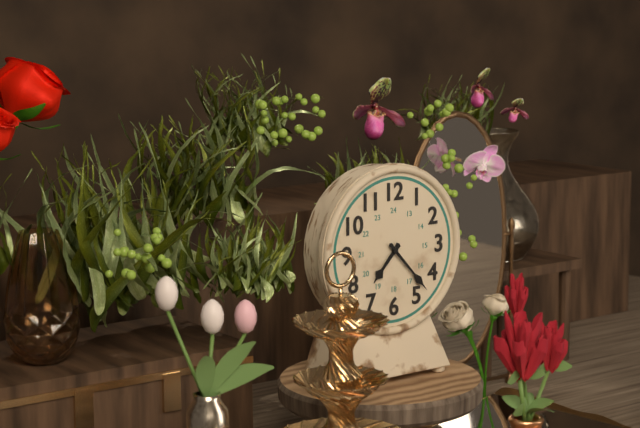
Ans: 7:23
